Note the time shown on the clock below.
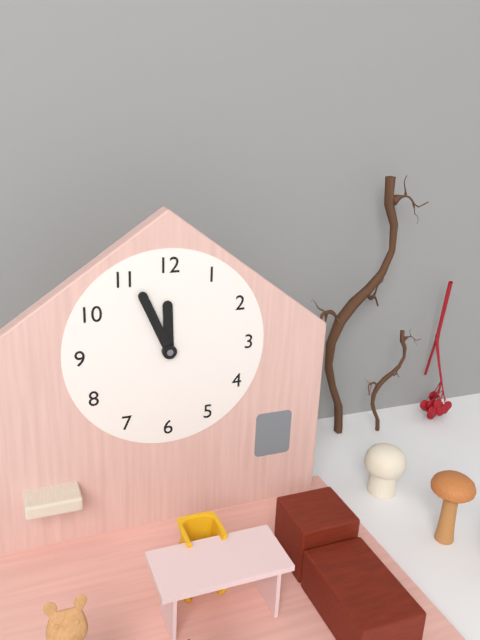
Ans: 11:56
